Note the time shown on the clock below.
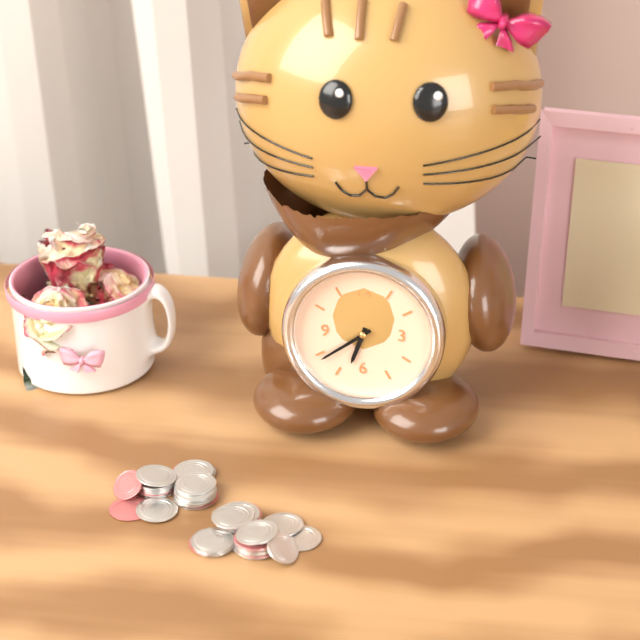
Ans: 6:39
